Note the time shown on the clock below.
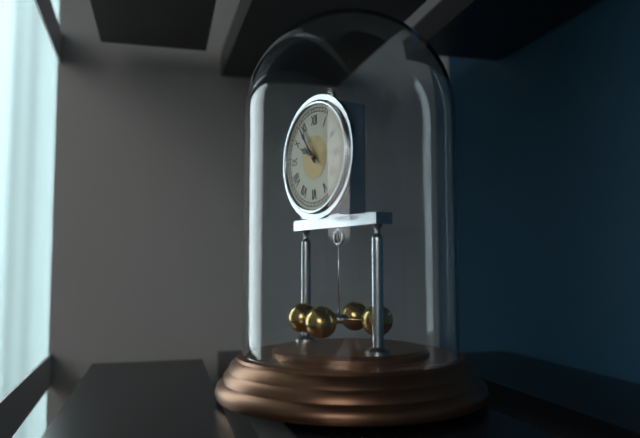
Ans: 9:54
